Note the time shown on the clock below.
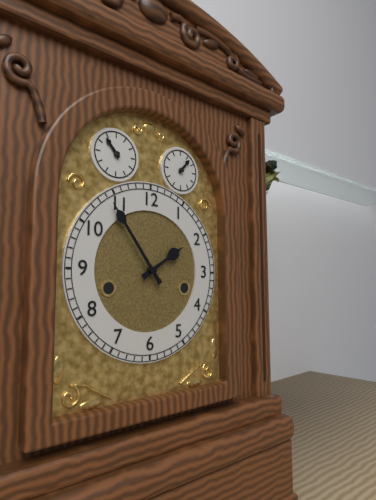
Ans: 1:54
